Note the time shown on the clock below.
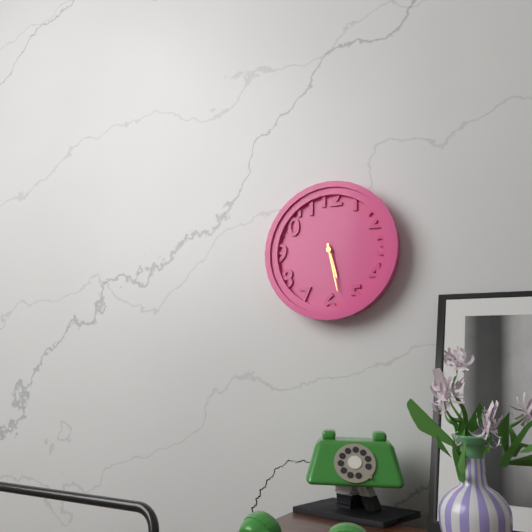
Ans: 5:28
